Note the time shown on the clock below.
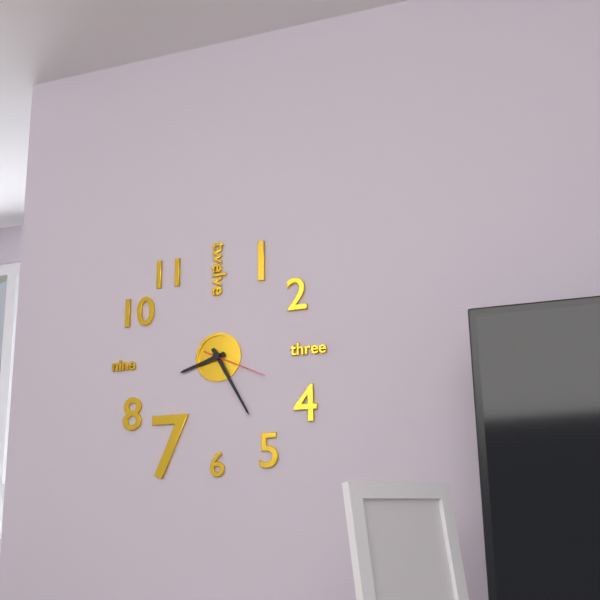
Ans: 8:25:19
